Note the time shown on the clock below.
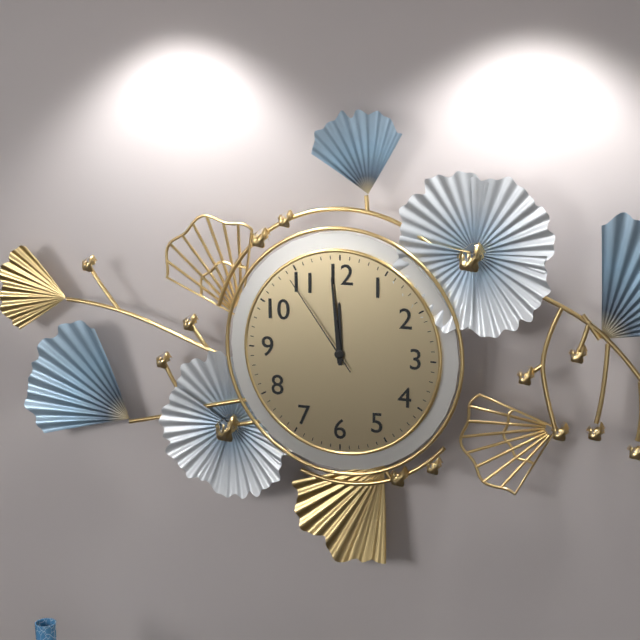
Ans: 11:59:54
